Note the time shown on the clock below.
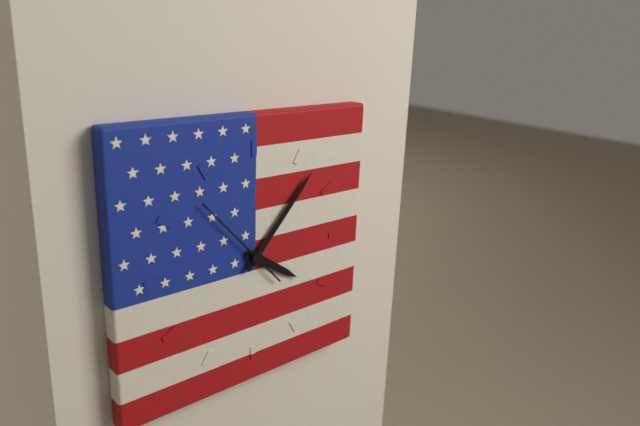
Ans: 4:07:53
